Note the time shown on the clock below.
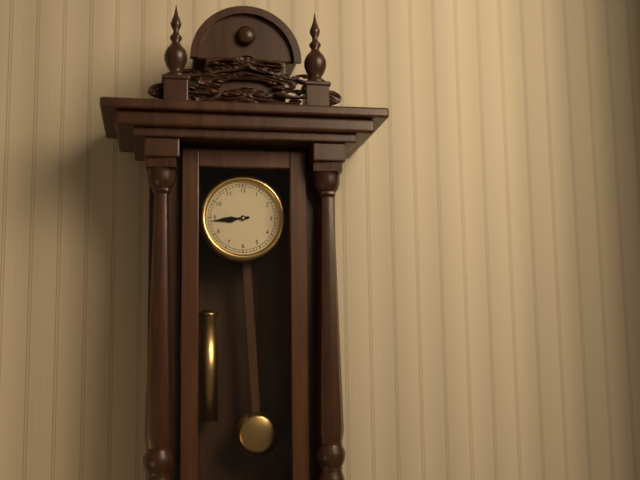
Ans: 8:44
